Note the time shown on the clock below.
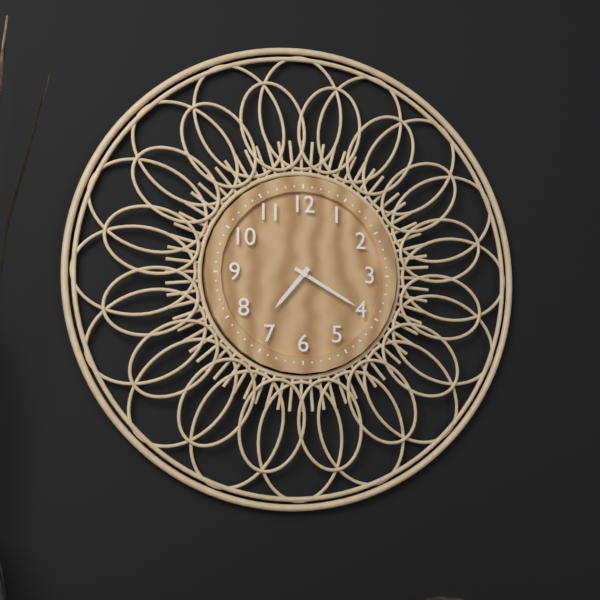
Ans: 7:20
